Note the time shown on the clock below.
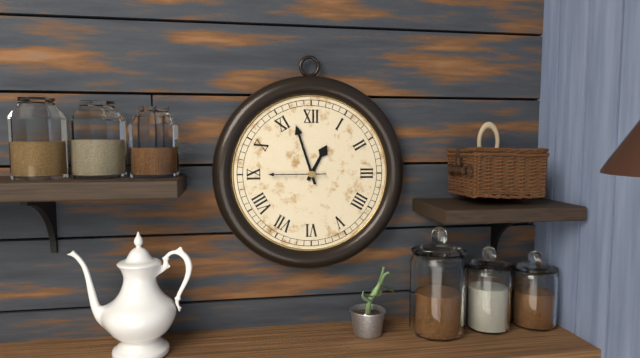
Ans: 12:57:45
